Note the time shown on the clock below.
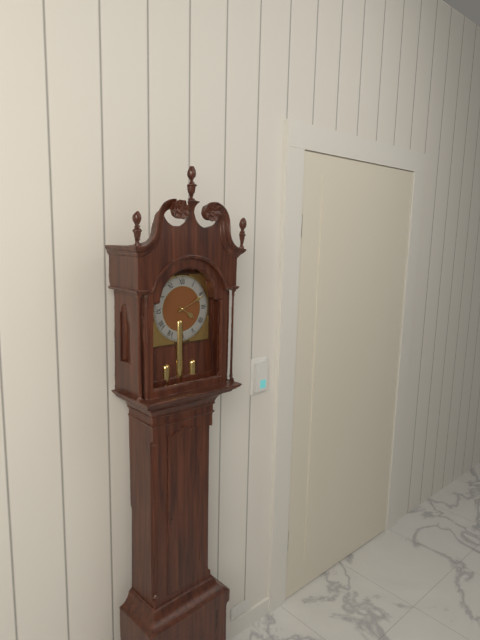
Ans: 4:11
